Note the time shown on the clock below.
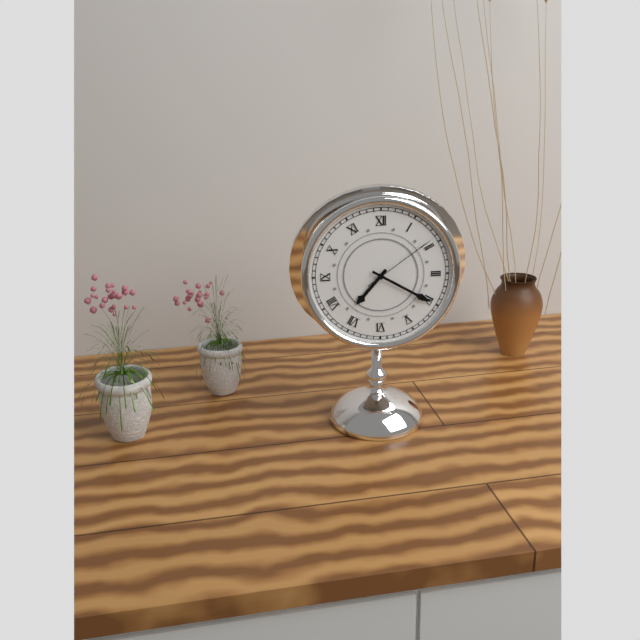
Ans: 7:20:09
